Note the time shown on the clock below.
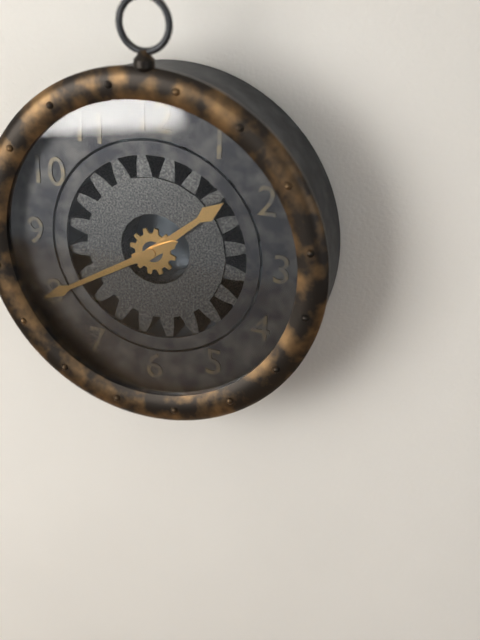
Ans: 1:40
